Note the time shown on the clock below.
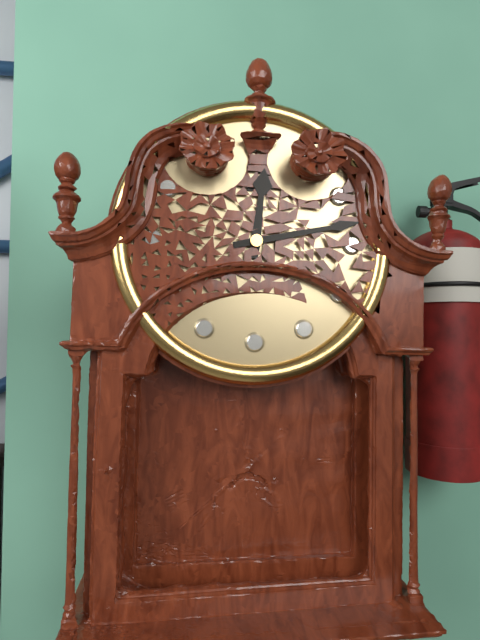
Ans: 12:13
